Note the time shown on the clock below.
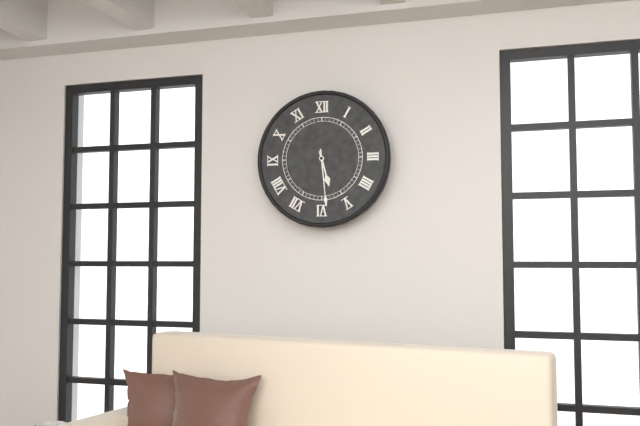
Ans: 5:29
